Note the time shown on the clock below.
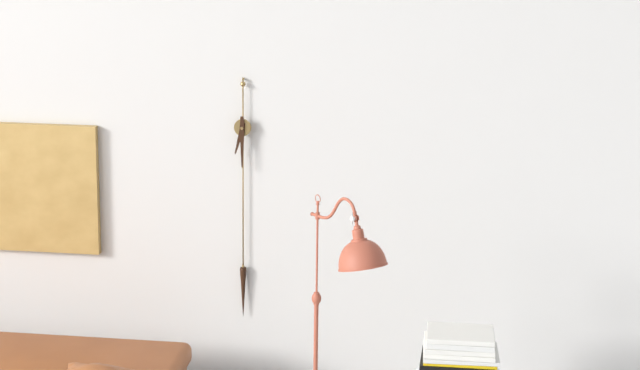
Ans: 6:30
